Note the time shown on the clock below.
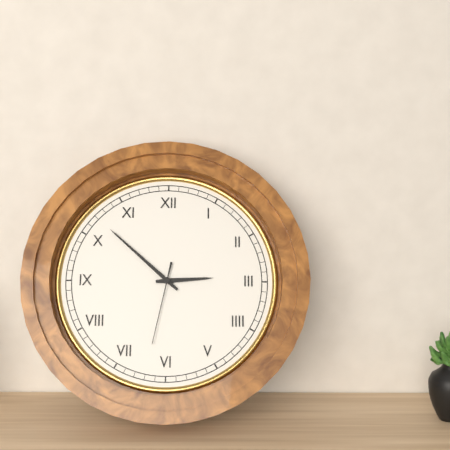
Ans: 2:52:32
